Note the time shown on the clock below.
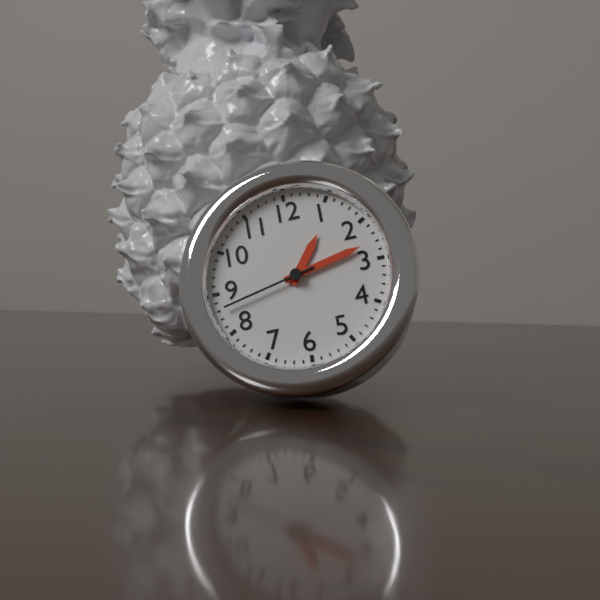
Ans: 1:13:43
